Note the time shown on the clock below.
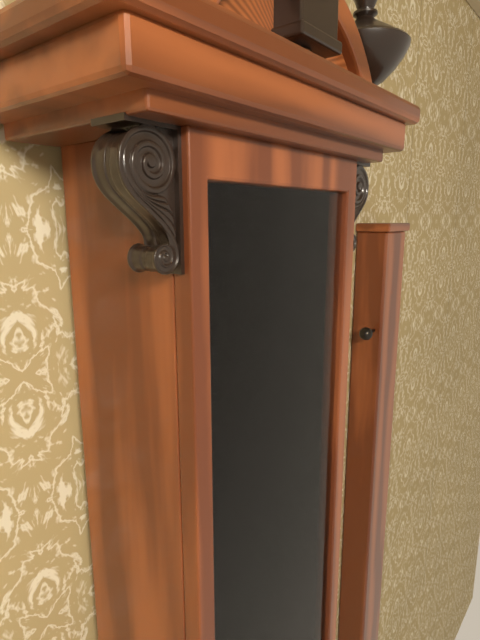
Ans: 6:29
